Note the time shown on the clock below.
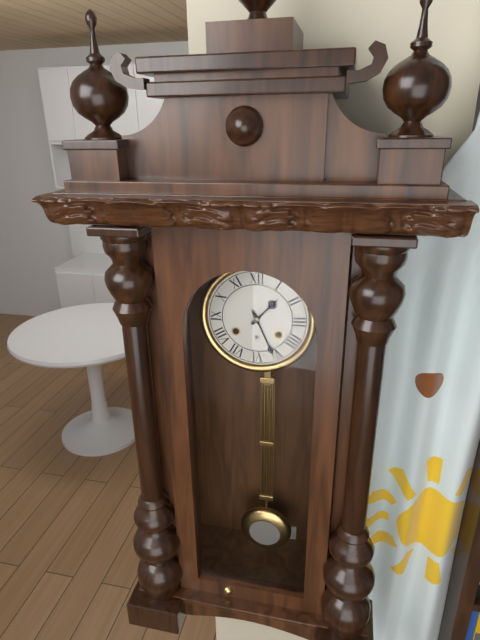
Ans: 1:26
